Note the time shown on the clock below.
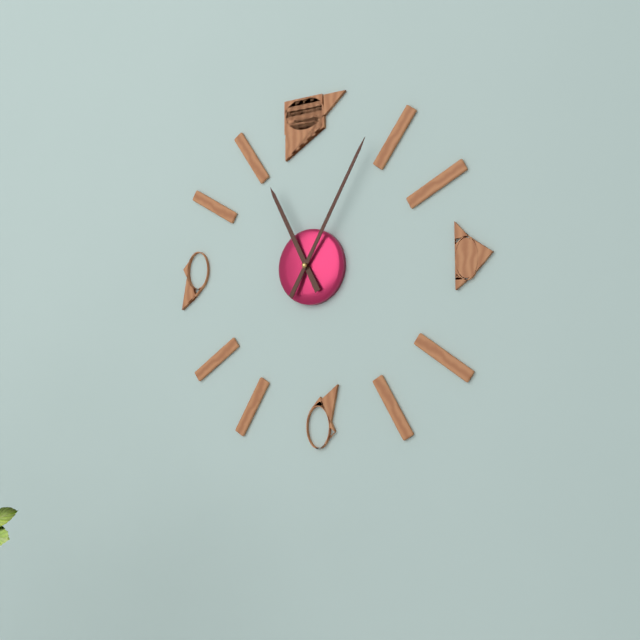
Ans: 11:05
